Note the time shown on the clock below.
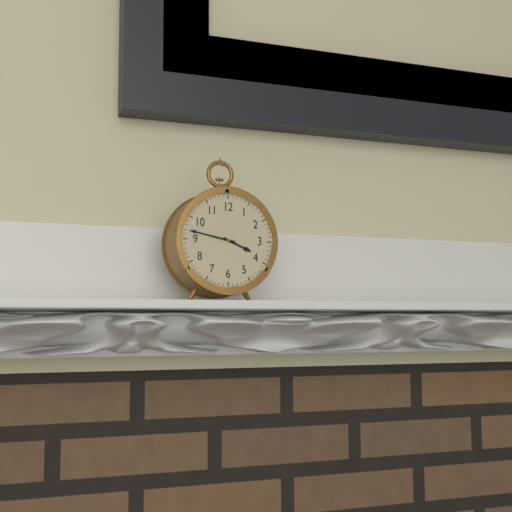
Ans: 3:47
